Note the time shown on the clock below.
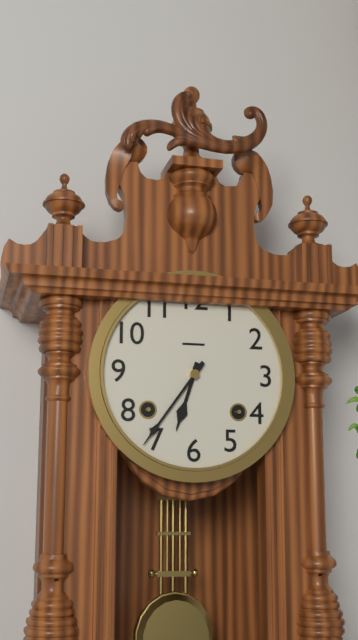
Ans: 6:36
